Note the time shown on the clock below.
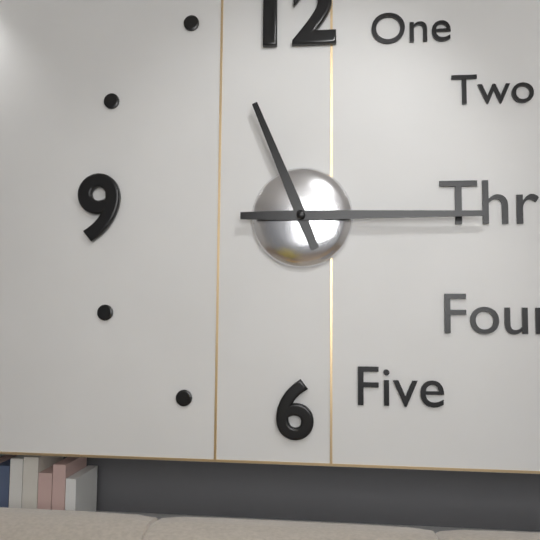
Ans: 11:15
